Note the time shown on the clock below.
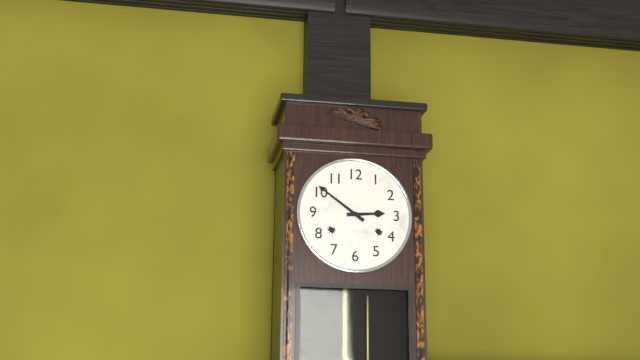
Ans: 2:51
